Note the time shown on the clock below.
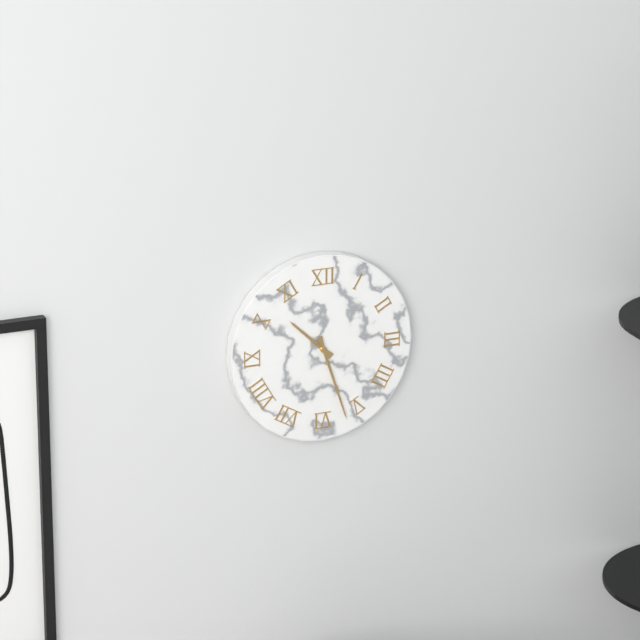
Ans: 10:27
